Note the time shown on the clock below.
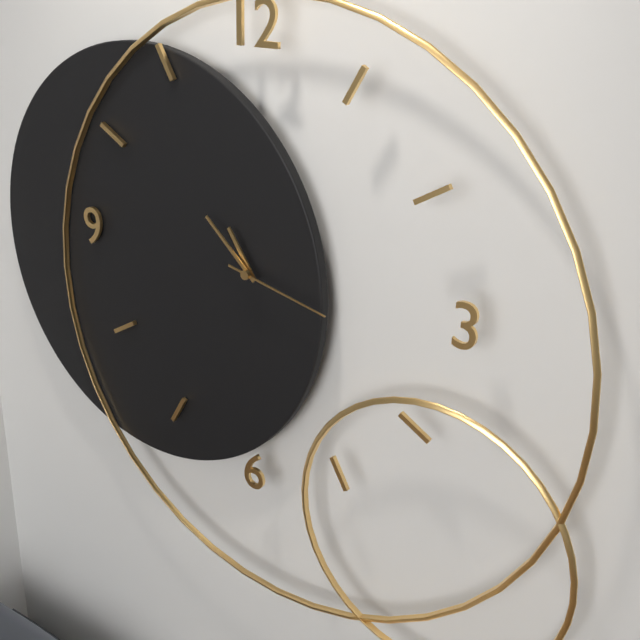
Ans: 10:52:17
